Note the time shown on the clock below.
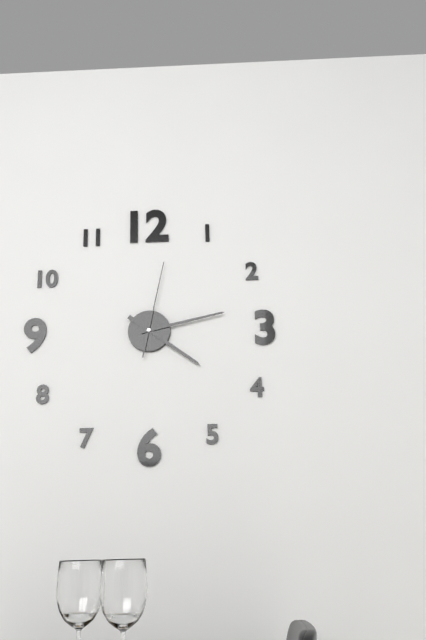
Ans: 4:13:02
